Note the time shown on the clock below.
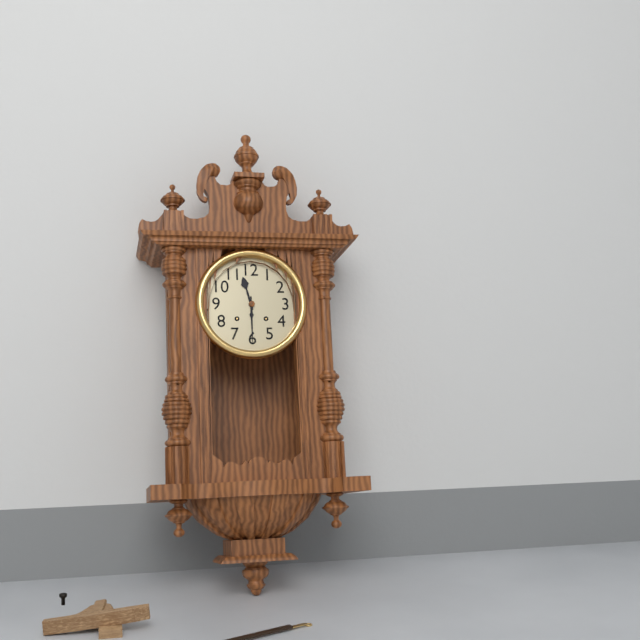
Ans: 11:30
